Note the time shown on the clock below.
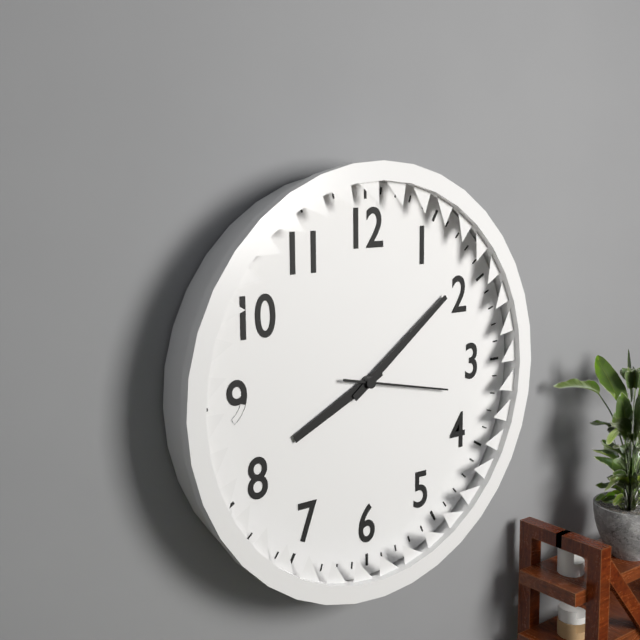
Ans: 8:09:17
